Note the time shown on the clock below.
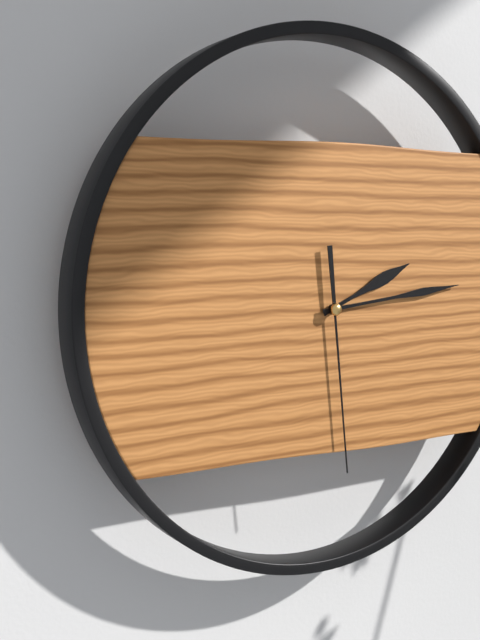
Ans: 2:14:29
